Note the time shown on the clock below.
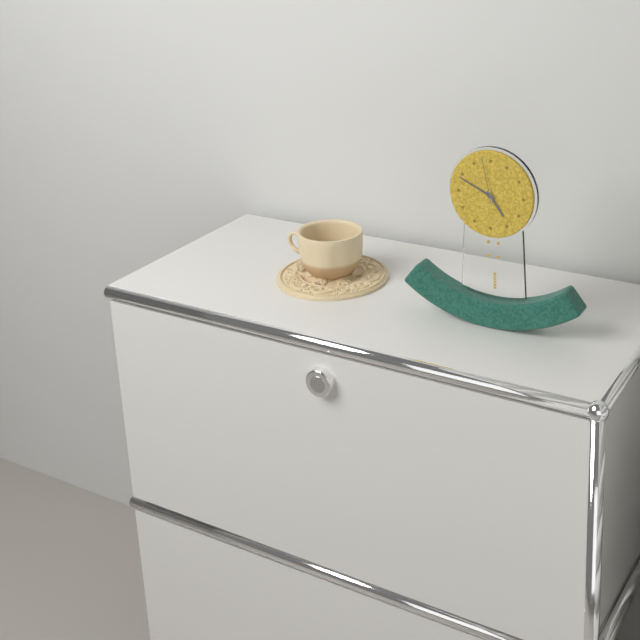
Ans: 4:49:58
